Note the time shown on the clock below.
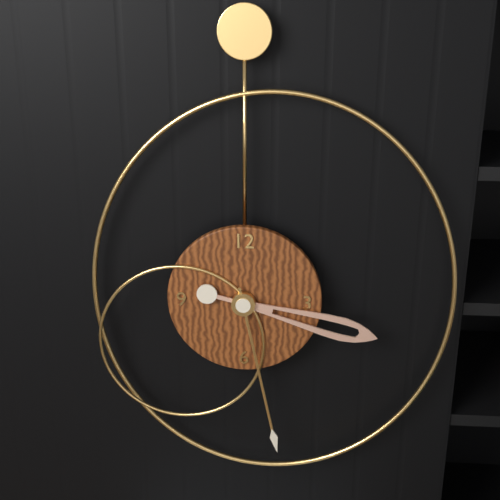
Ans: 3:28
